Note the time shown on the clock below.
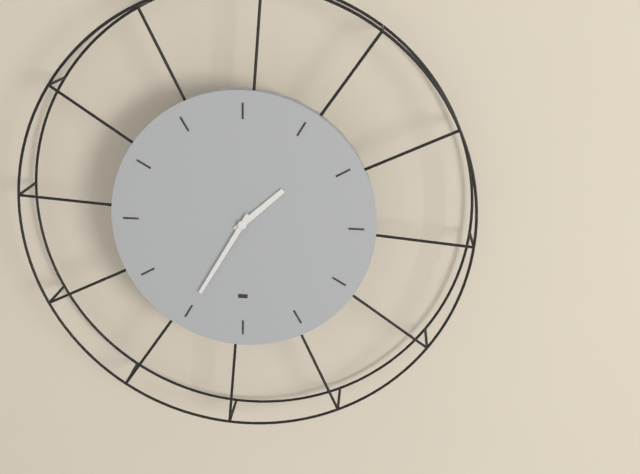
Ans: 1:35
